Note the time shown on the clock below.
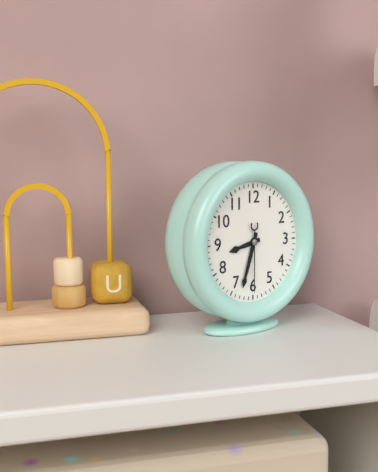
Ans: 8:33:30
